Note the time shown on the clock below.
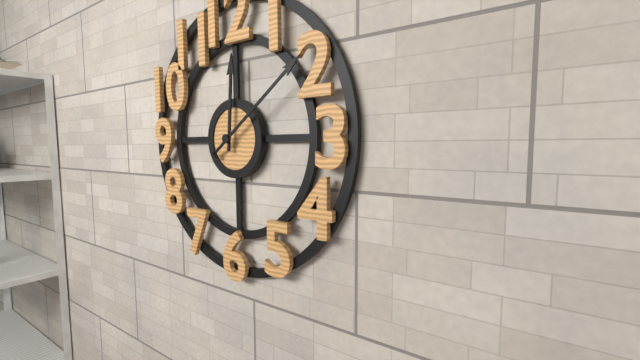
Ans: 12:09
